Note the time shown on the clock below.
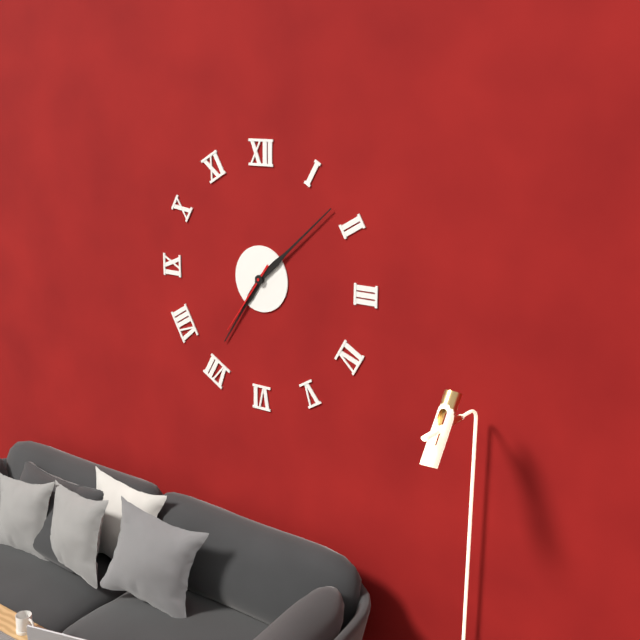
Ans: 7:08:36
